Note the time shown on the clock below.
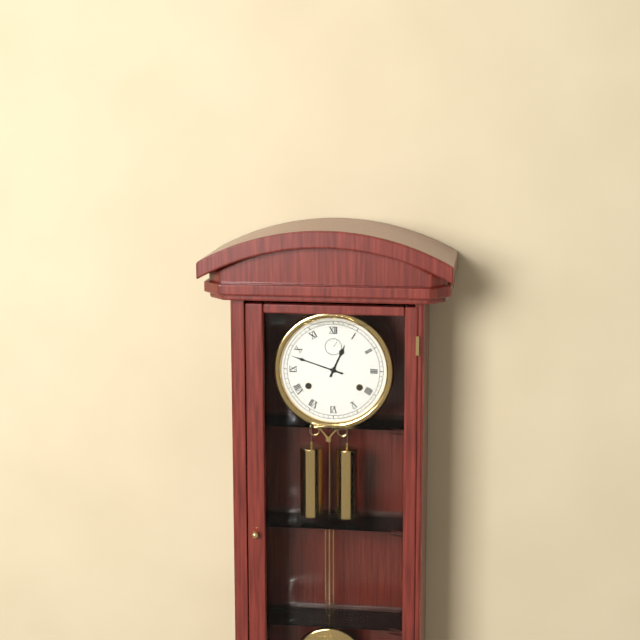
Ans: 12:48
